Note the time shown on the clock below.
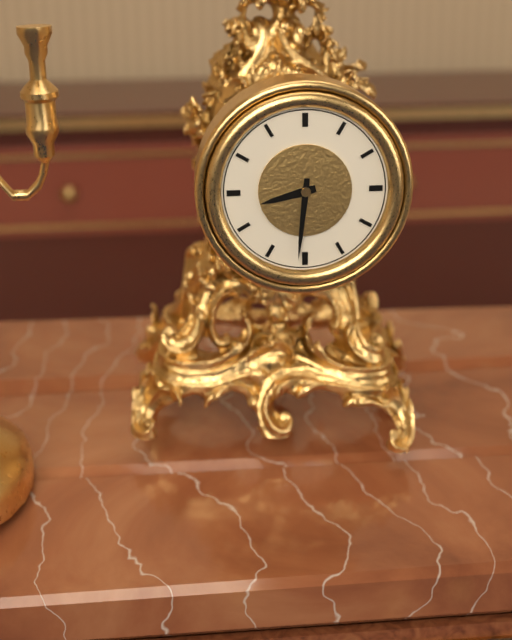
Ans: 8:31
